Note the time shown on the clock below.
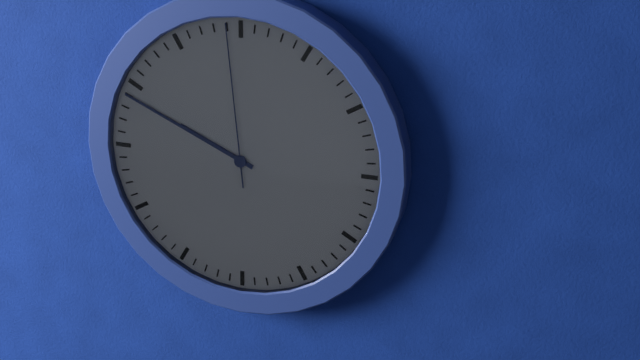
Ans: 9:49:59
